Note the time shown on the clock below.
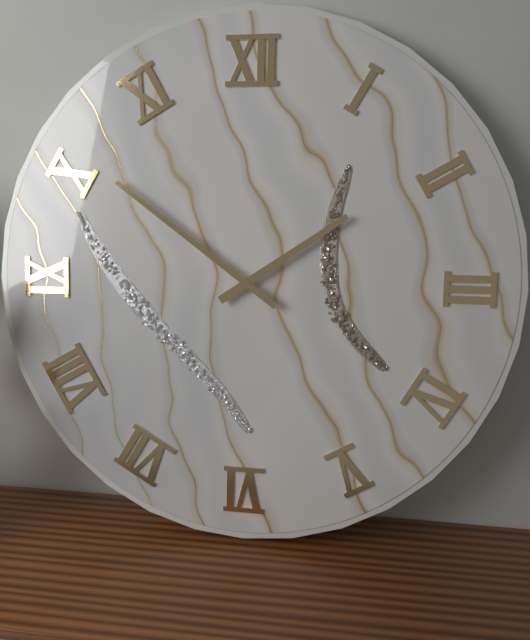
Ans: 1:51
